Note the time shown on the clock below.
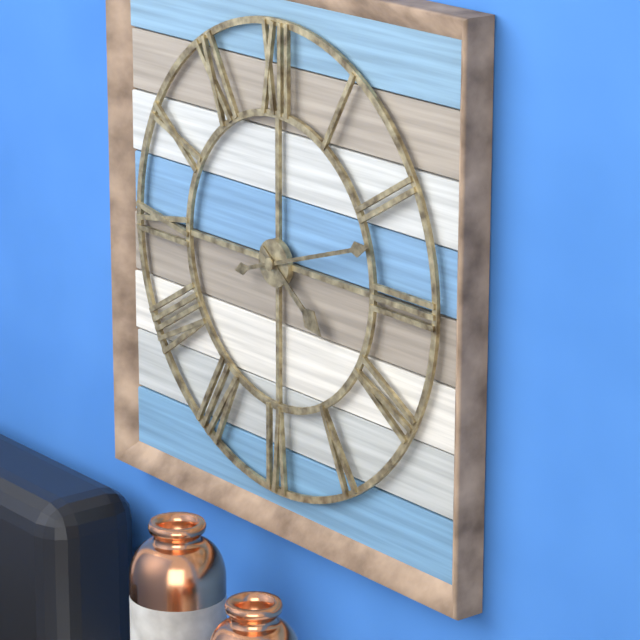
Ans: 4:12
